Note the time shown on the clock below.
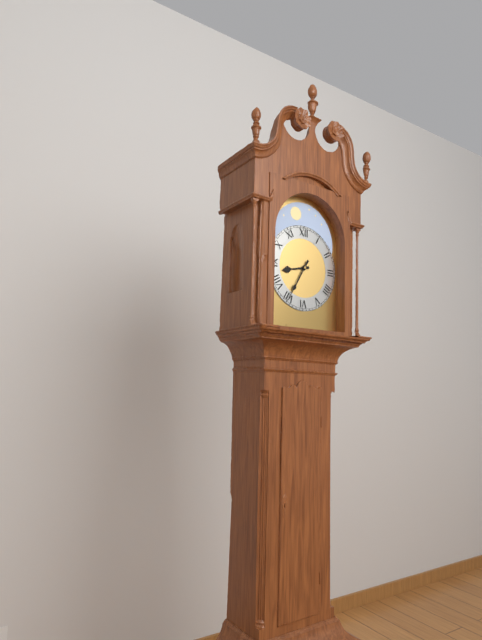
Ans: 8:35
